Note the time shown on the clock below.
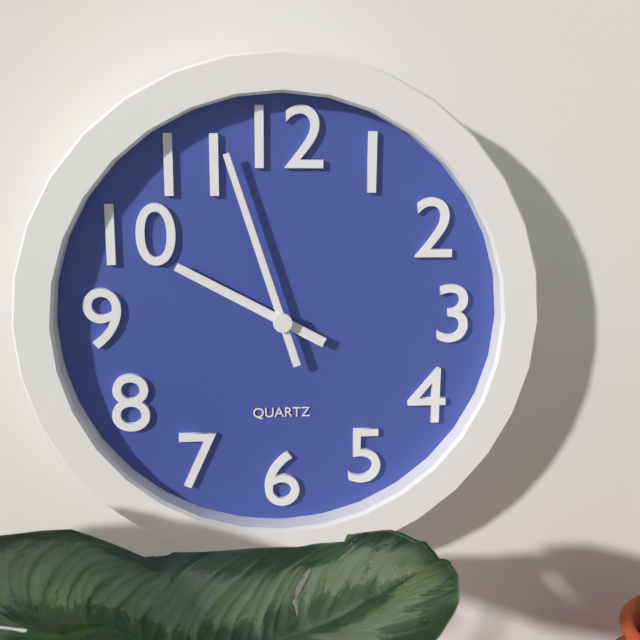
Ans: 9:57
